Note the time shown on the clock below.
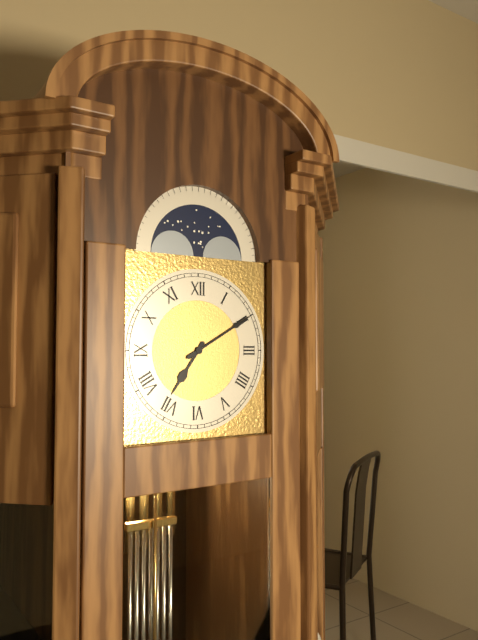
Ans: 7:10
